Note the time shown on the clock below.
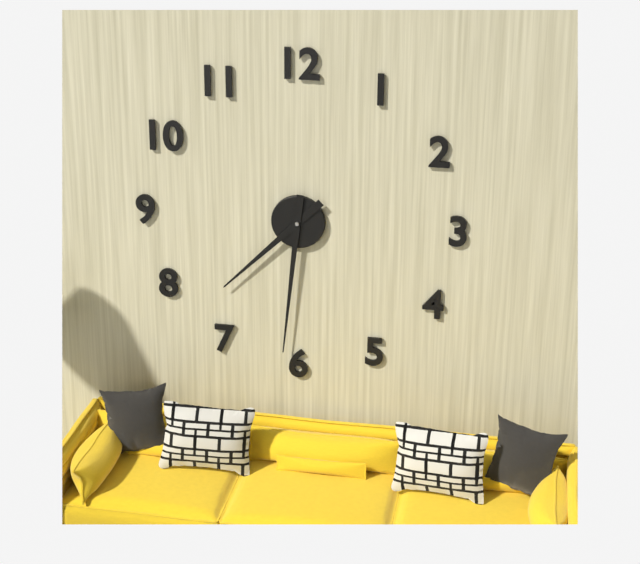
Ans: 7:31
